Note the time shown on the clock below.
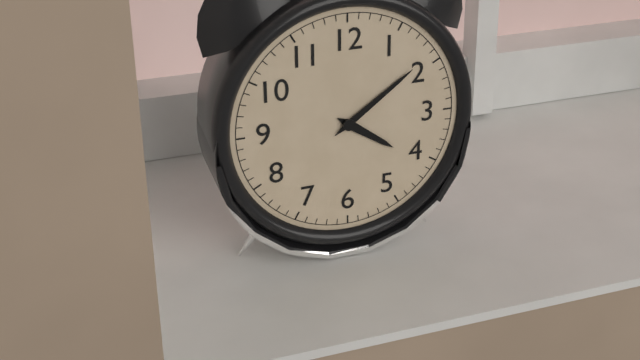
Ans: 4:09
